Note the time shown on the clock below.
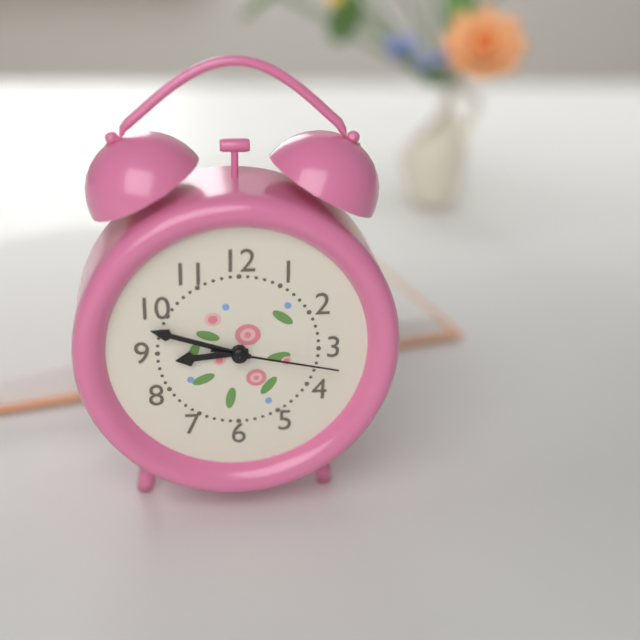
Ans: 8:48:17
